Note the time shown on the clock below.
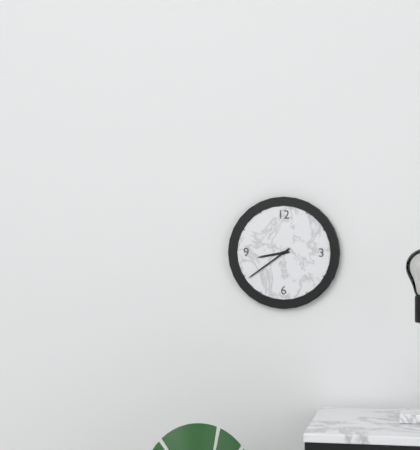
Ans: 8:39
